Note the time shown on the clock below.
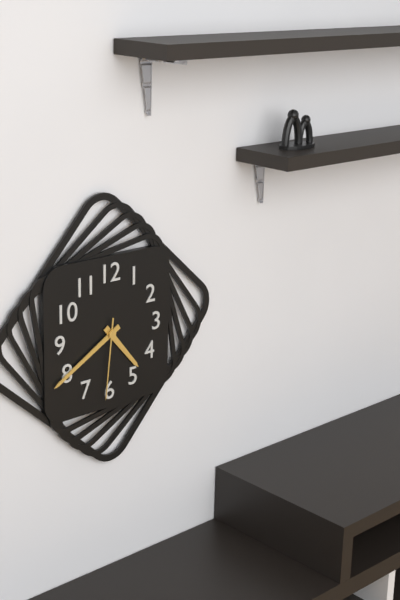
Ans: 4:40:31
